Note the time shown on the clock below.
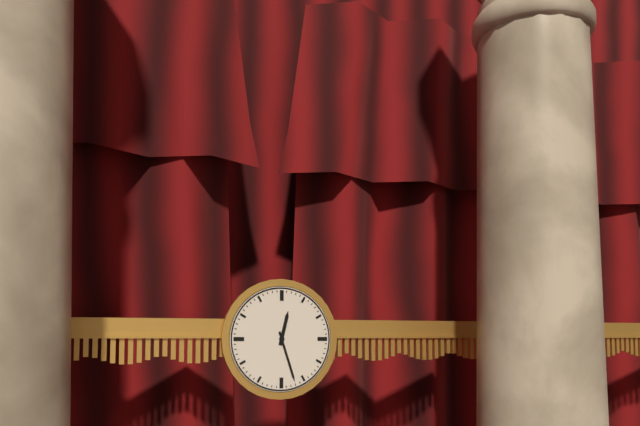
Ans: 12:27
